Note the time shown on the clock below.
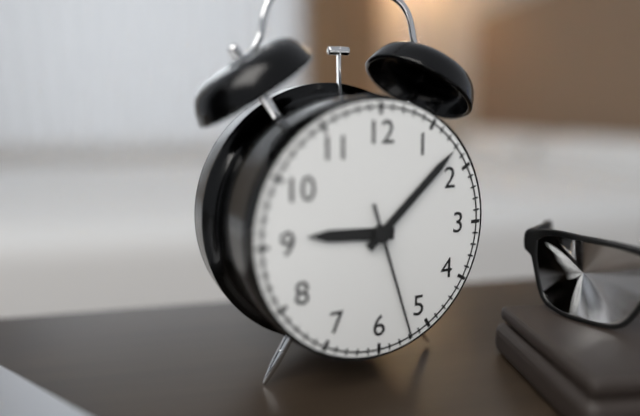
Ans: 9:08:27
